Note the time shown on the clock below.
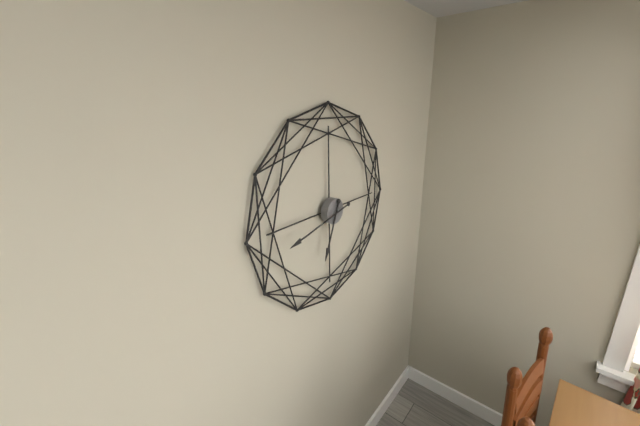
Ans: 6:43
